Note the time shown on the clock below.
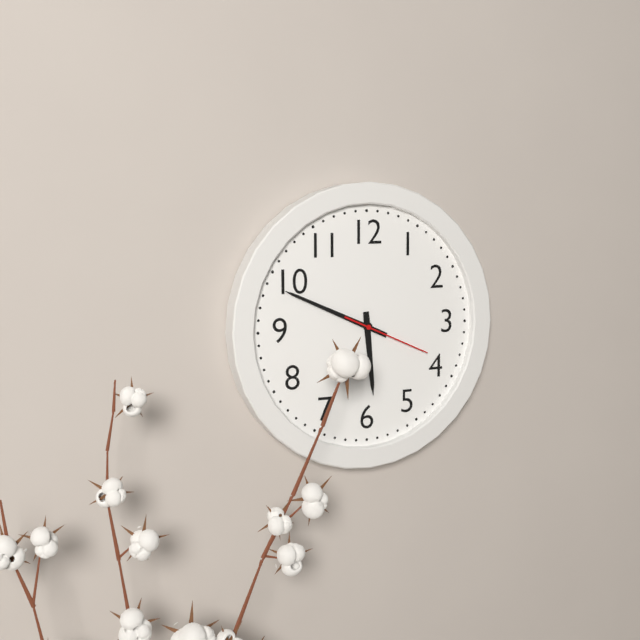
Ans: 5:49:19
